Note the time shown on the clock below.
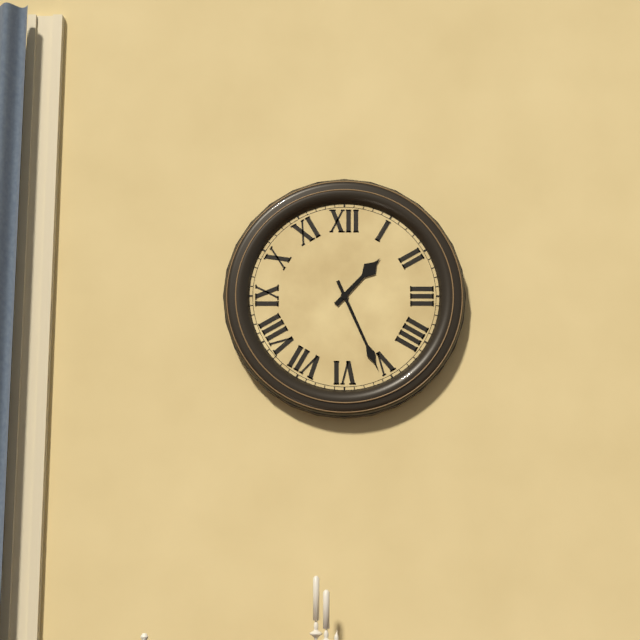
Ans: 1:26
